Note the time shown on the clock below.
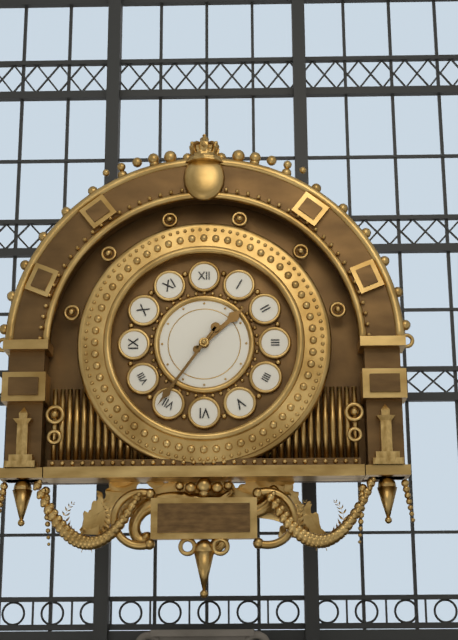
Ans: 1:36
